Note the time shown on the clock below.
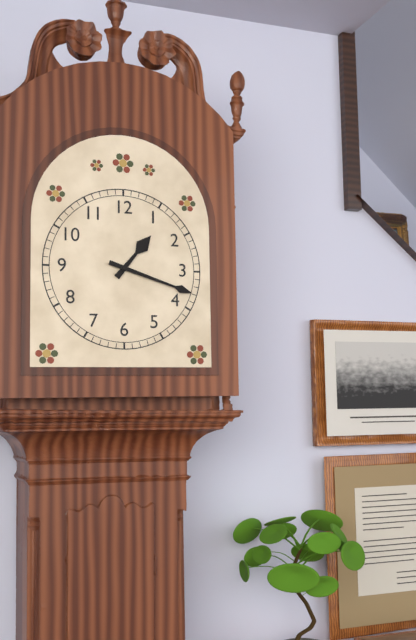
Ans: 1:18
